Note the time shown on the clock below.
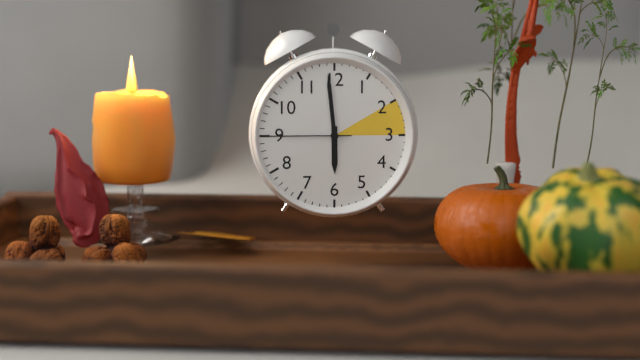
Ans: 5:59:45
